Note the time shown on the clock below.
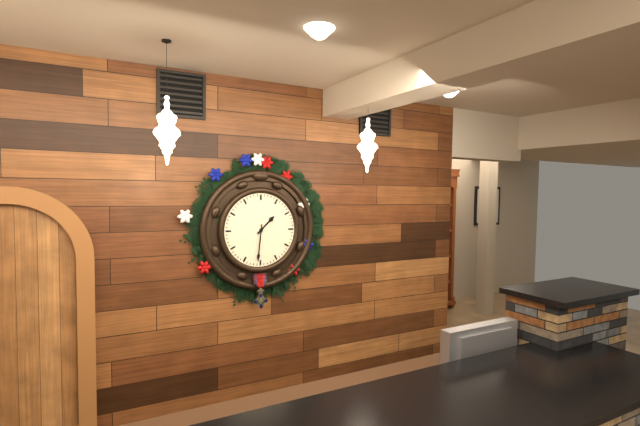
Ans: 1:31
